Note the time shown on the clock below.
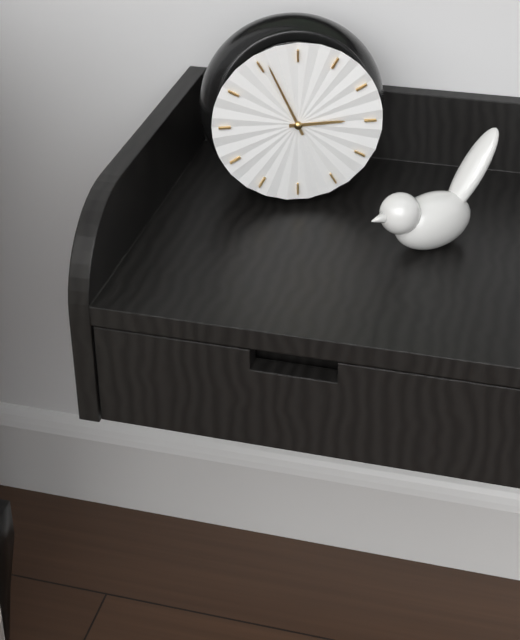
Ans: 2:56
